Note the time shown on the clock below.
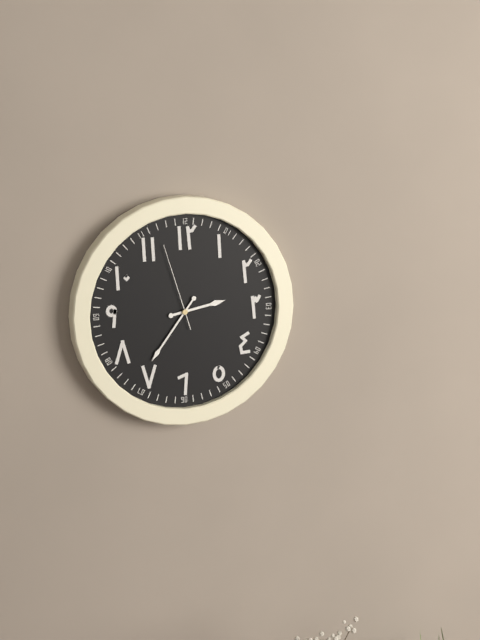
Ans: 2:36:57
